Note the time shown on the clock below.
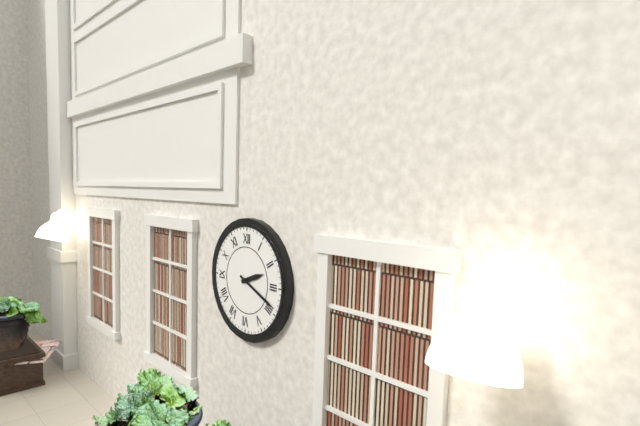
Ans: 2:19
